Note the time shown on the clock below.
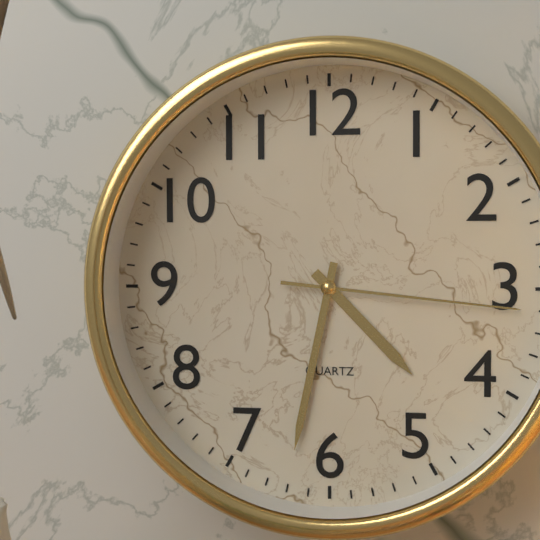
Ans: 4:32:16
